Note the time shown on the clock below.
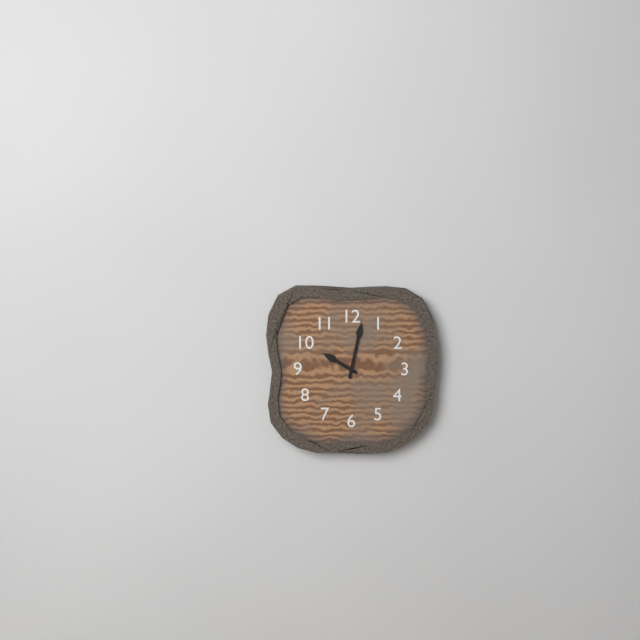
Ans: 10:02
